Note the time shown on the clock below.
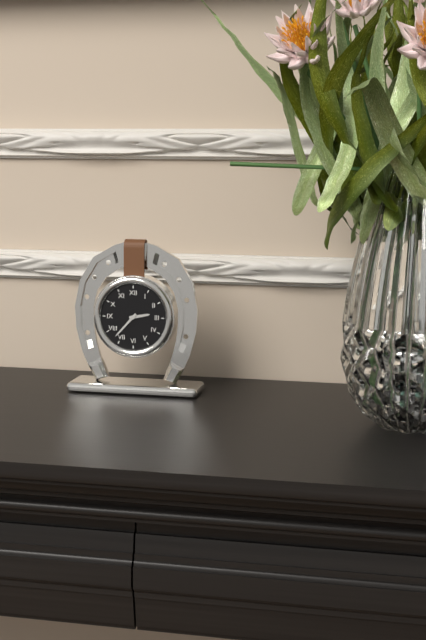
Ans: 2:37
